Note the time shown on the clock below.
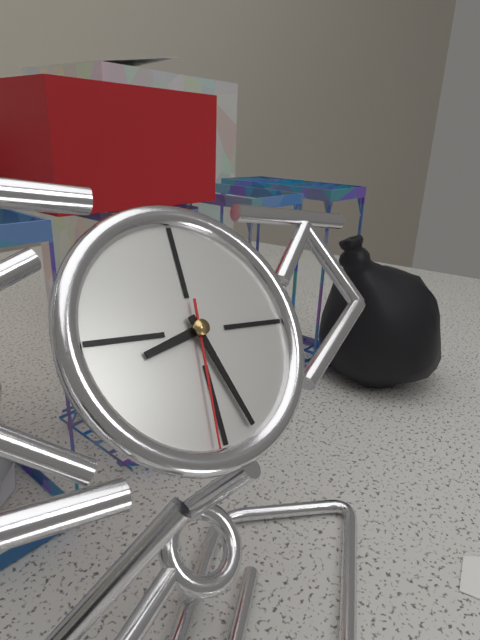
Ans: 8:27:31
